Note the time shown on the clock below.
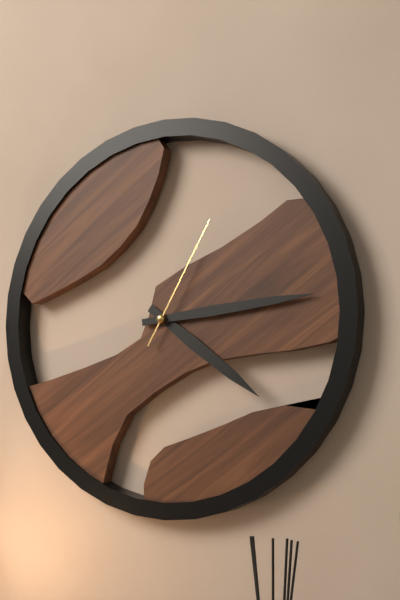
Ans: 4:14:05
